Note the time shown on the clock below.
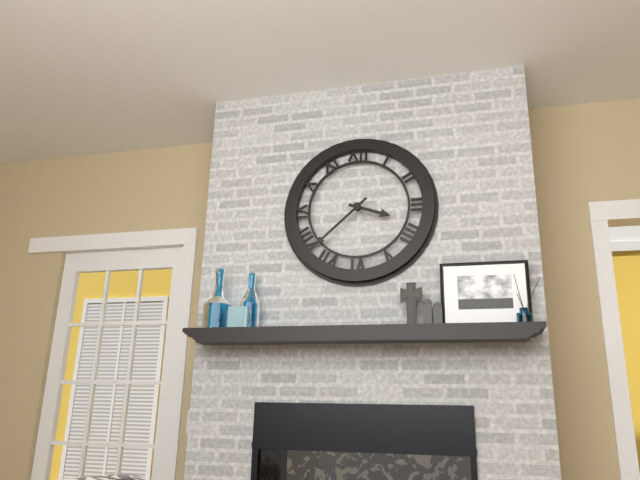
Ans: 3:38
